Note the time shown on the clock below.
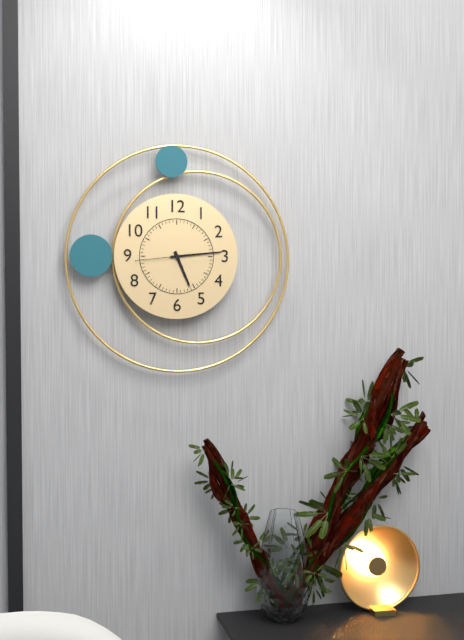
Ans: 5:14:44
